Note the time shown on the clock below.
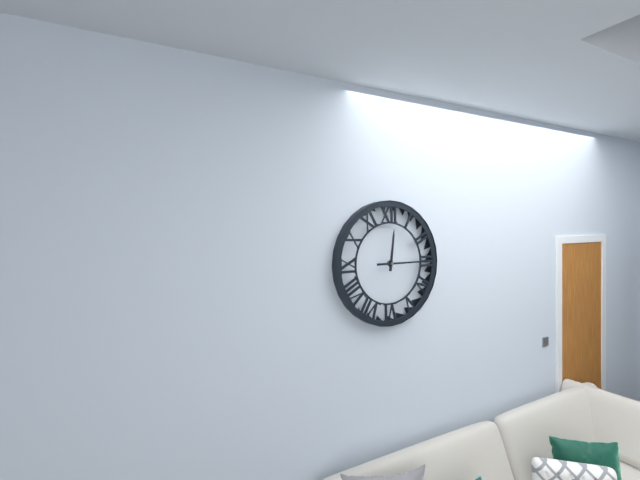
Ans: 12:15
